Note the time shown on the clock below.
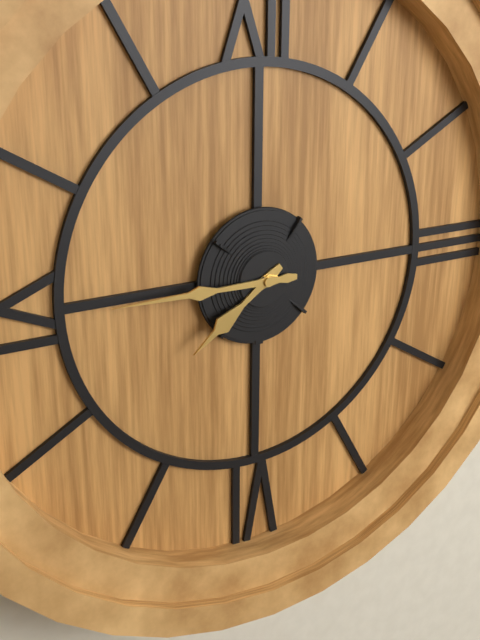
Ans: 7:45
